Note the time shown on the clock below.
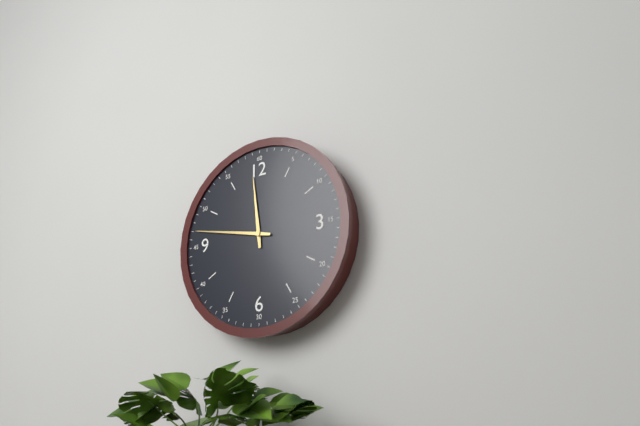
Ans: 11:47
